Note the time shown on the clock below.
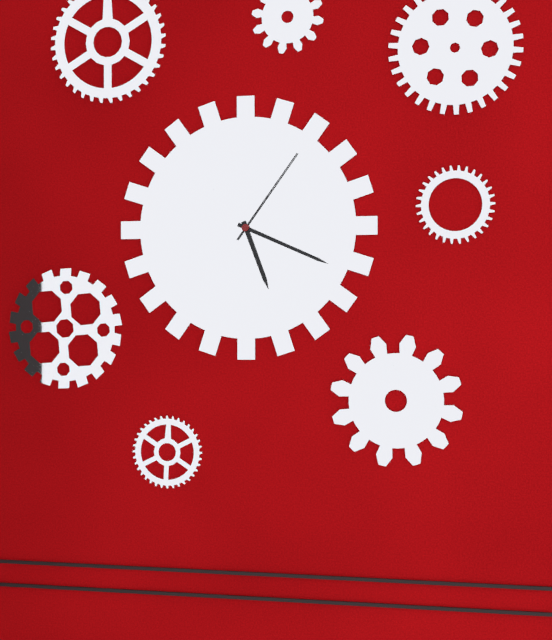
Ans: 5:19:06
